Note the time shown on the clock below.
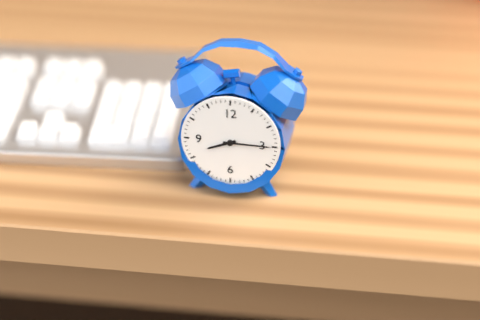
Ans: 8:15
